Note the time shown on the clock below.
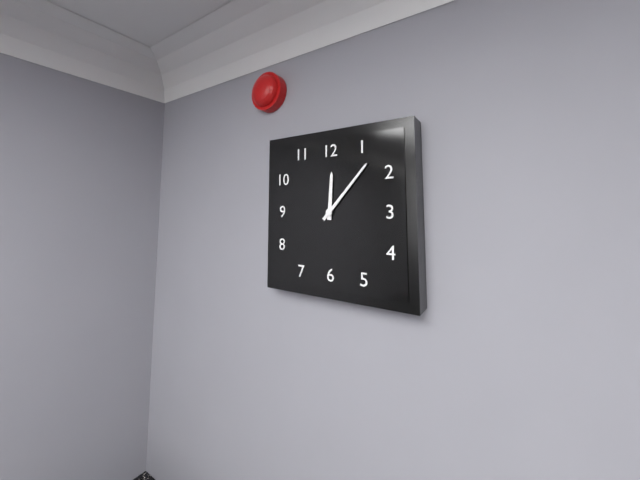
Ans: 12:07
